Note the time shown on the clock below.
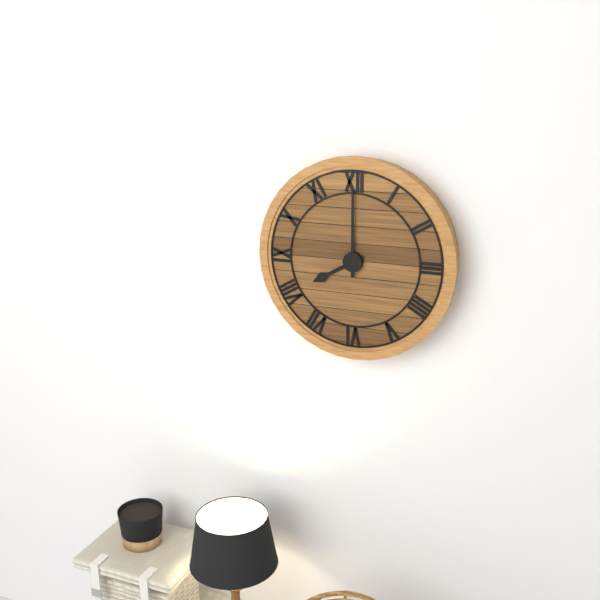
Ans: 8:00
